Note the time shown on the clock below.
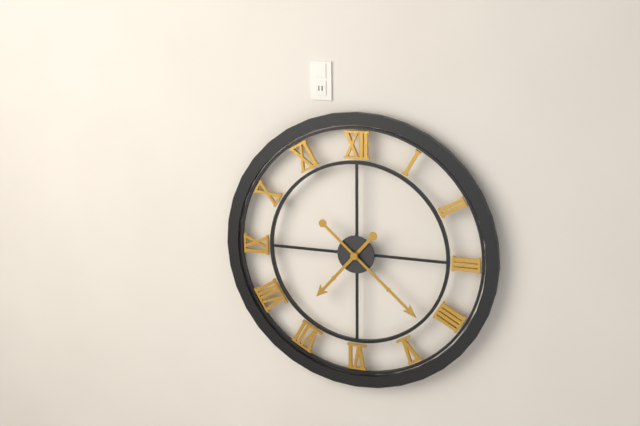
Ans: 7:22
